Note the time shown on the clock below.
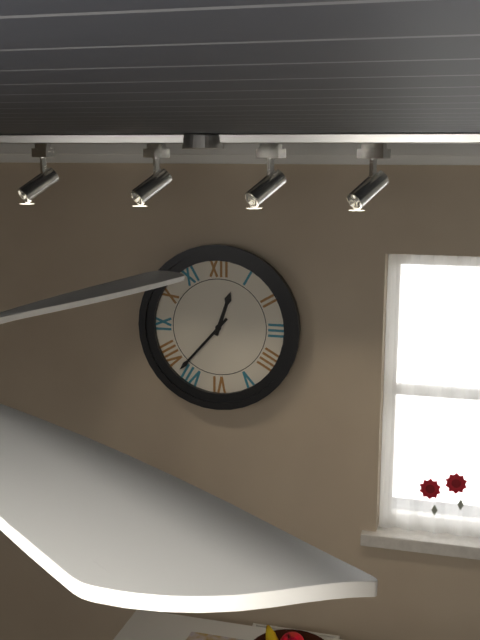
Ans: 12:37
